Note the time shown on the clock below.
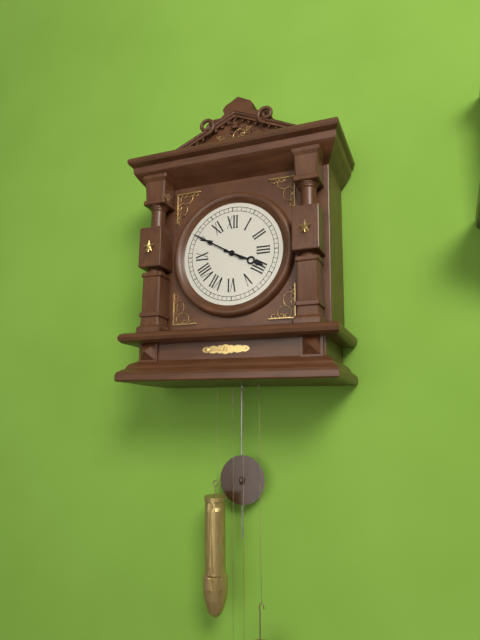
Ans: 3:50
